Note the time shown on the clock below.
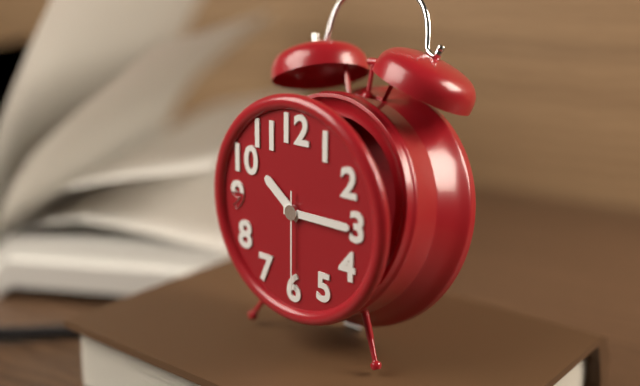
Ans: 10:15:30
